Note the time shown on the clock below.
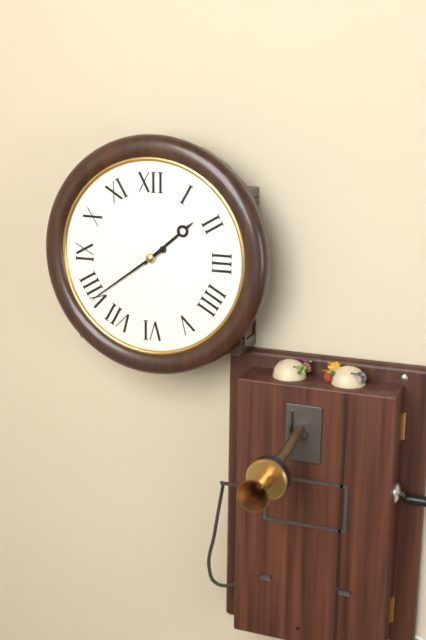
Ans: 1:39
